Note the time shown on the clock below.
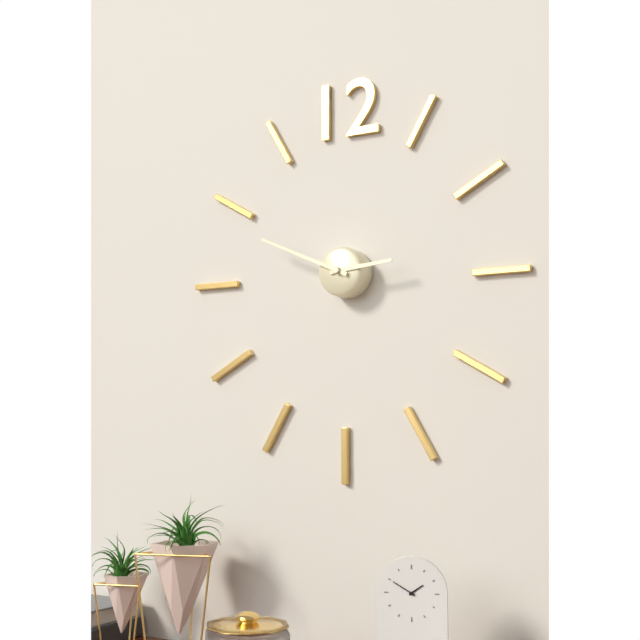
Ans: 2:49
